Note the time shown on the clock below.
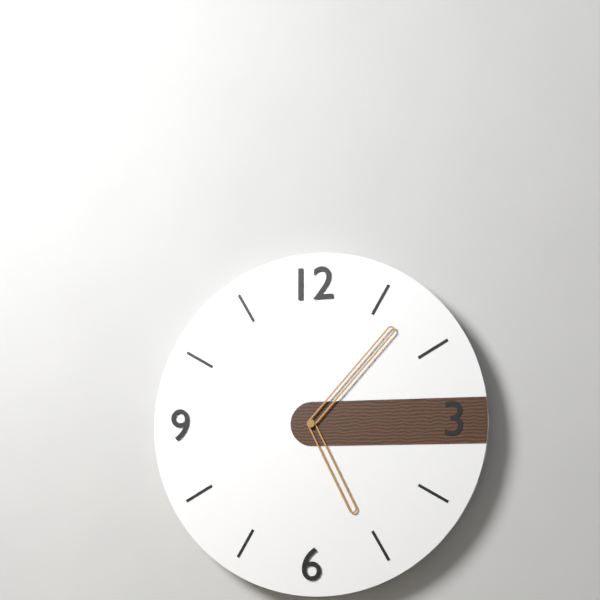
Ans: 5:07
